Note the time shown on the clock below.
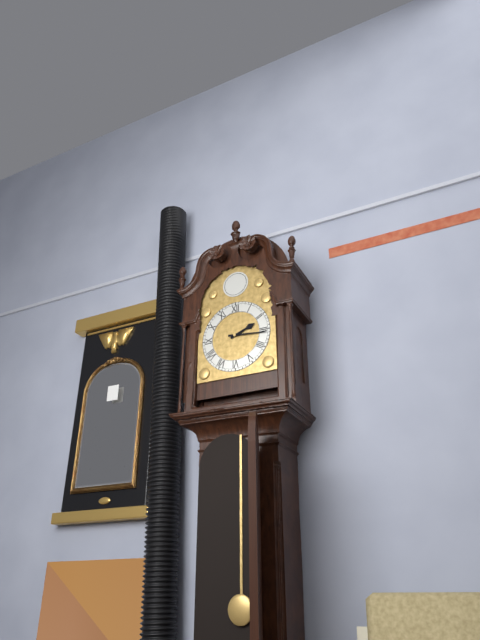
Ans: 2:16
